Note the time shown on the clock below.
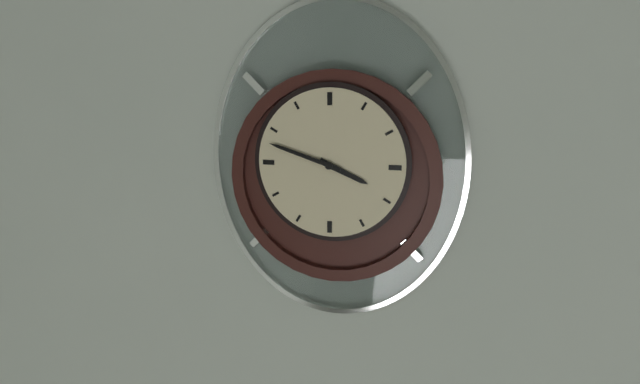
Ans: 3:48
